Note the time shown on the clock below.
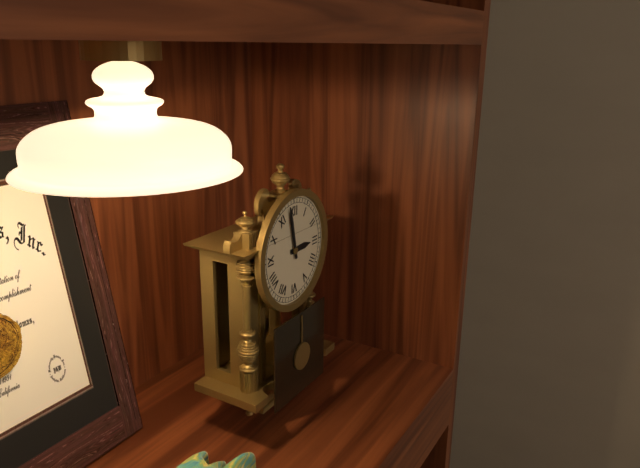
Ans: 2:58
